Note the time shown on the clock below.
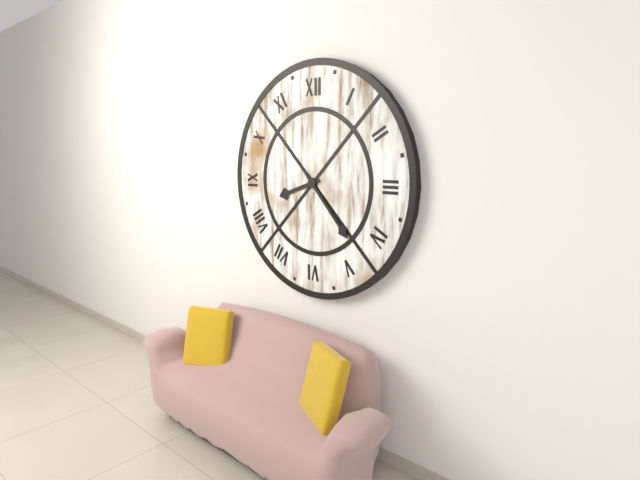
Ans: 8:23
